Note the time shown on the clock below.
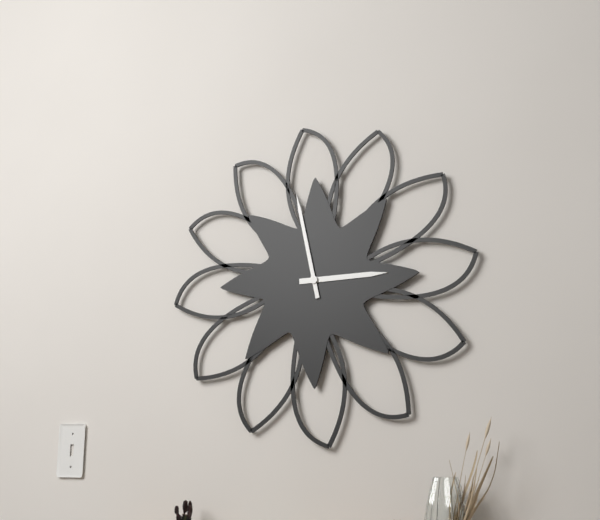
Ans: 2:58
